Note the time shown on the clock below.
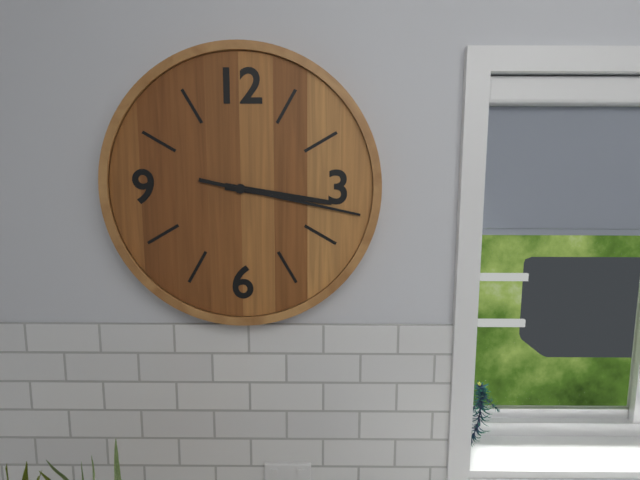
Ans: 3:17
